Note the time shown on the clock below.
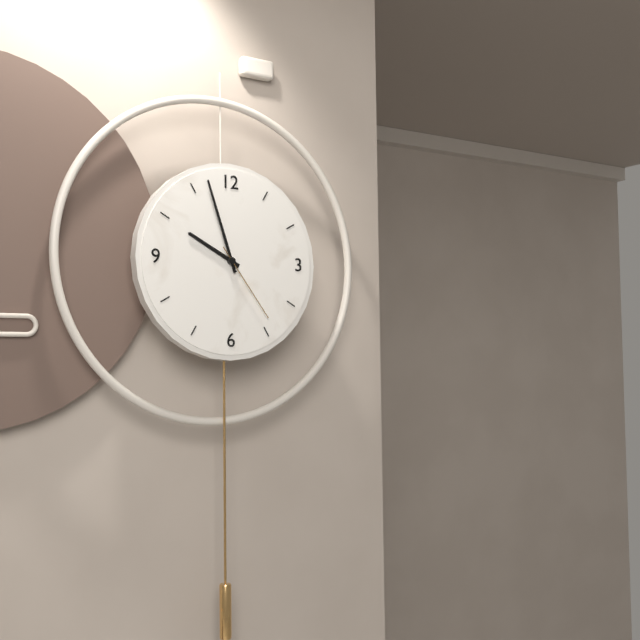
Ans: 9:57:24
